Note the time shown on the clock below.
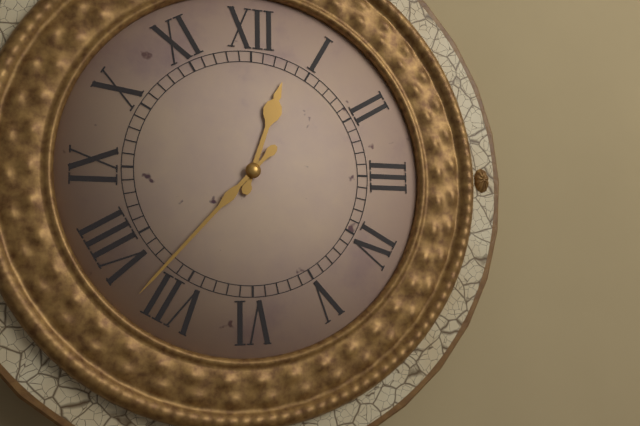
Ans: 12:37
